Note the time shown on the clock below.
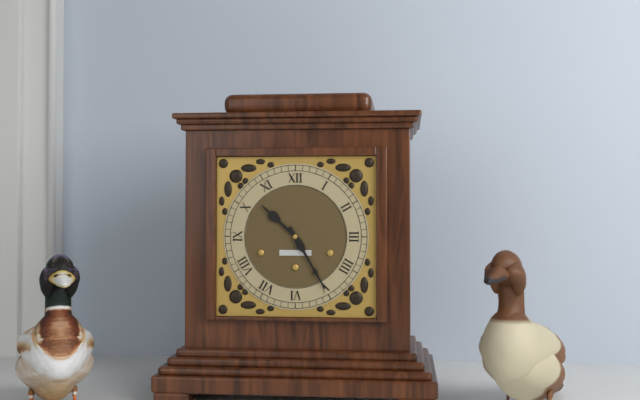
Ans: 10:25
